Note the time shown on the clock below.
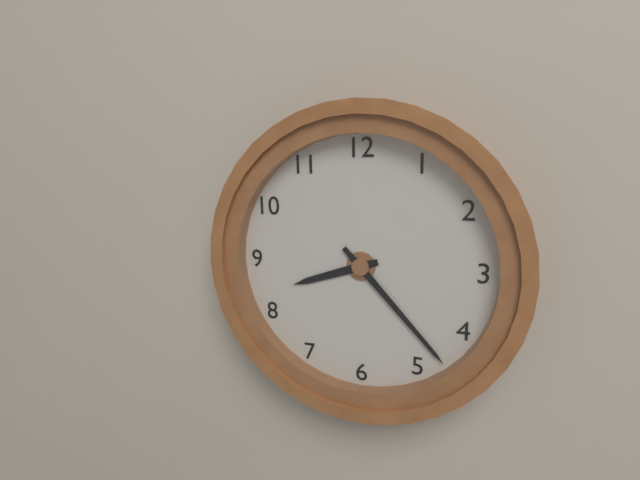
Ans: 8:23
